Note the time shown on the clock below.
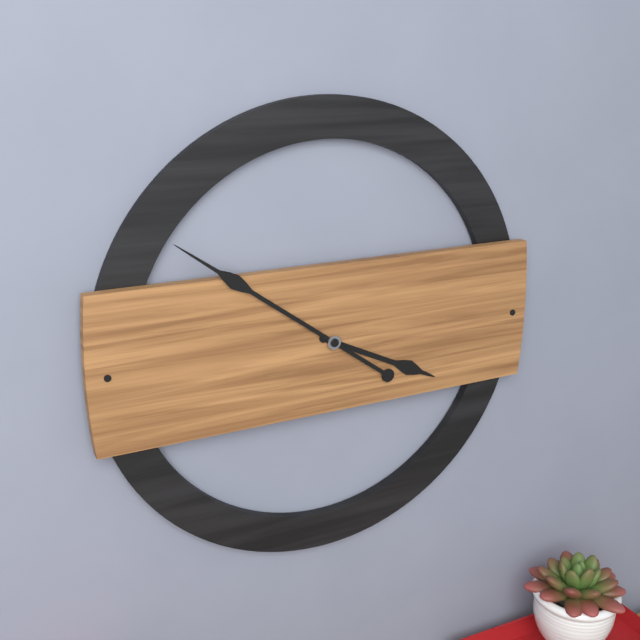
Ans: 3:51
